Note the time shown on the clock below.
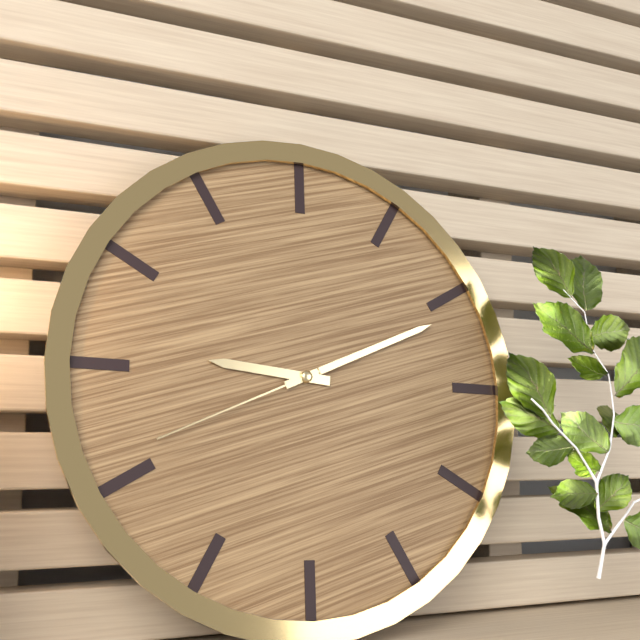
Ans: 9:11:41
